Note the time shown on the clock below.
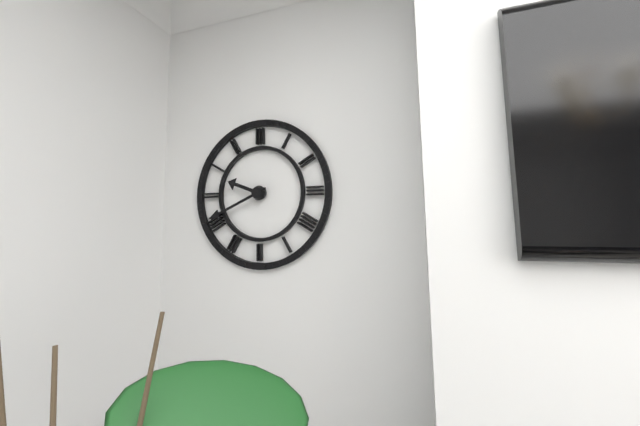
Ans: 9:41
